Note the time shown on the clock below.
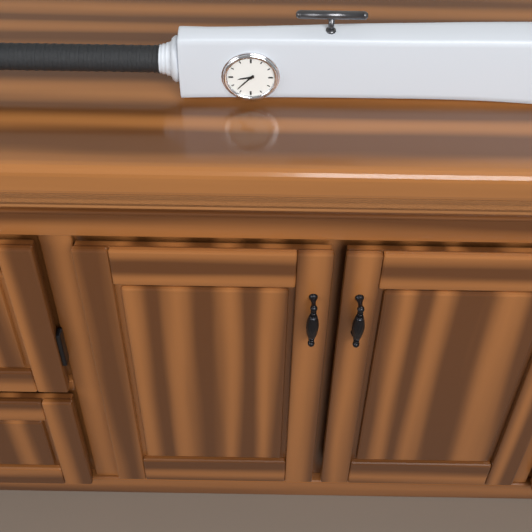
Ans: 8:37
